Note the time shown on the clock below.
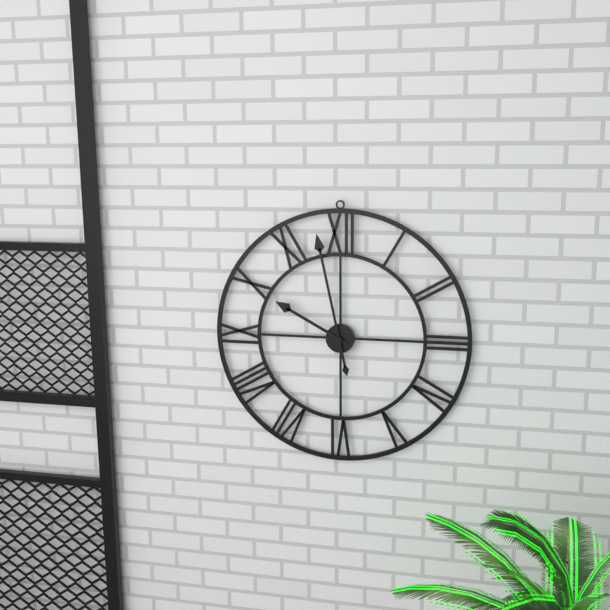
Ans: 9:58
